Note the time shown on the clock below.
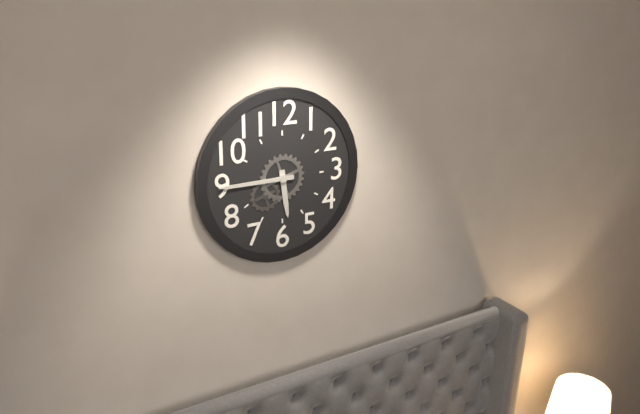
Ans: 5:45
